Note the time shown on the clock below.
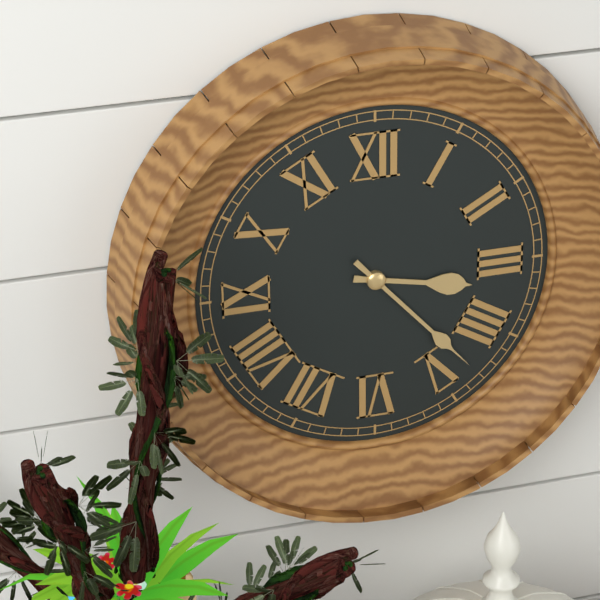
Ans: 3:23
